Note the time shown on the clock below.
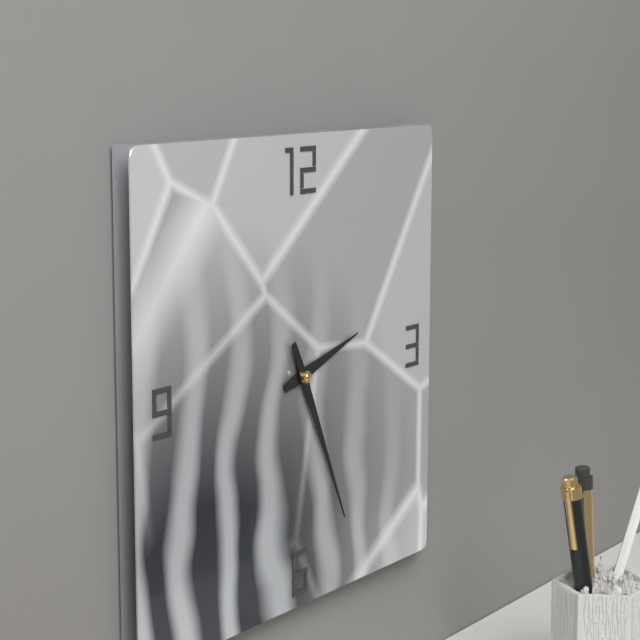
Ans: 2:26
